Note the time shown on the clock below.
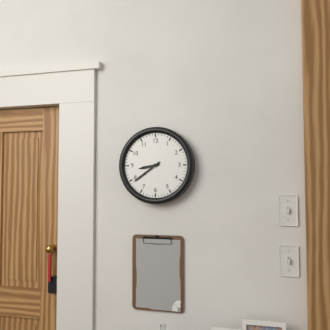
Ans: 8:39
